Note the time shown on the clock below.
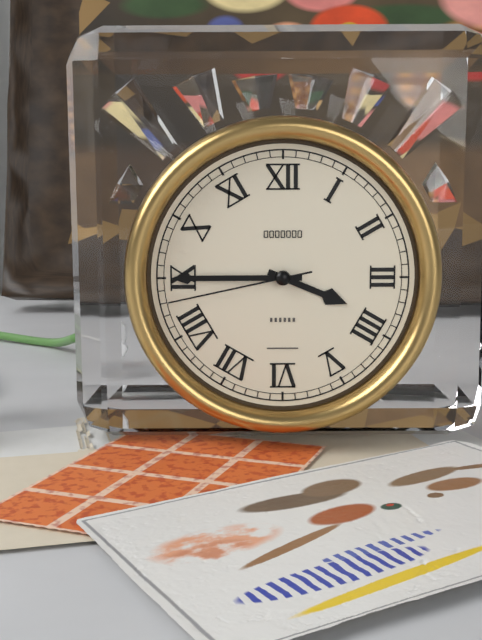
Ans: 3:45:43
